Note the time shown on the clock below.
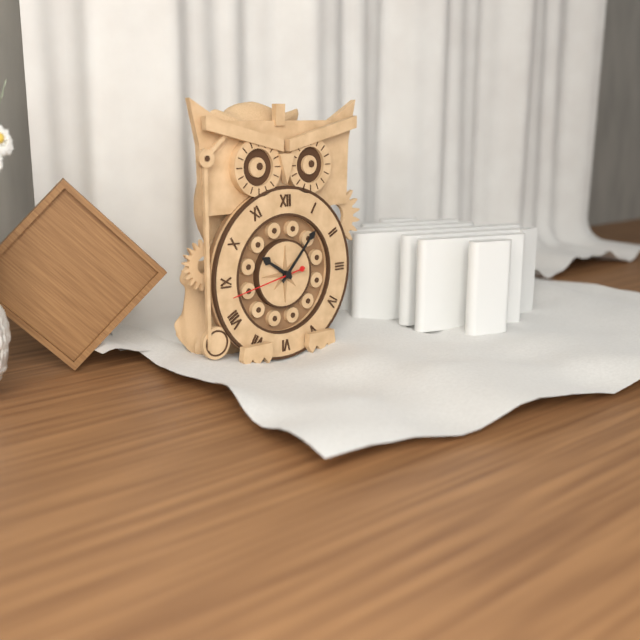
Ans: 10:07:43
